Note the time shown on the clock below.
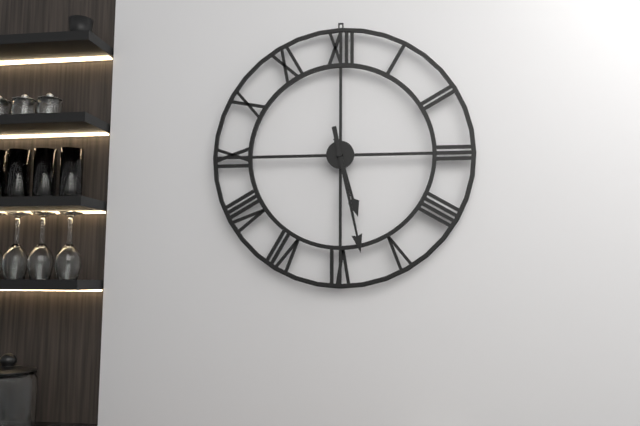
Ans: 5:28
